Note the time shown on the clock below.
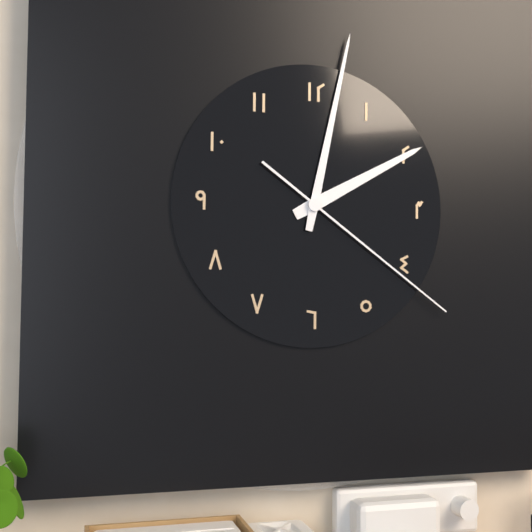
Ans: 2:02:21
